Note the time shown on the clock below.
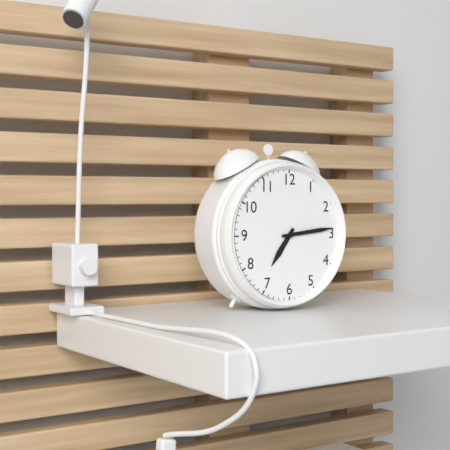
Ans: 7:14
